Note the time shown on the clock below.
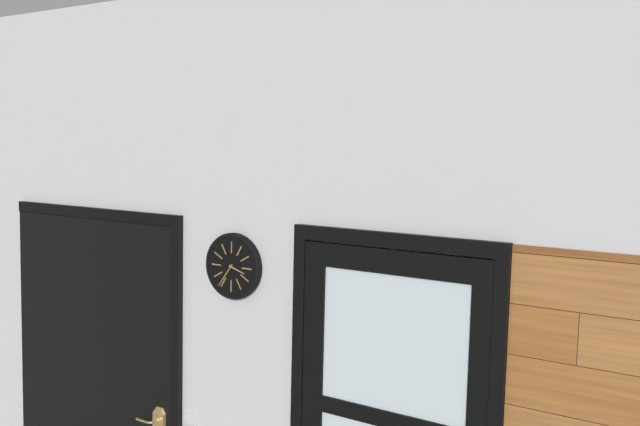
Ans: 3:36
